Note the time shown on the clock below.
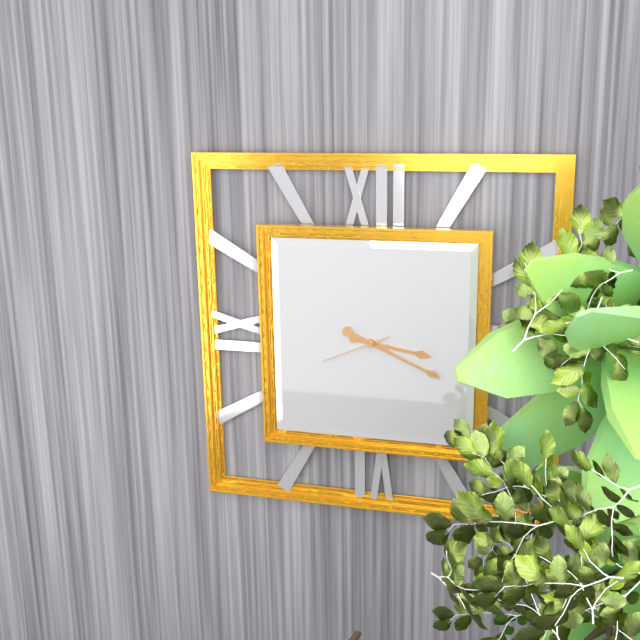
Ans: 3:19:41
